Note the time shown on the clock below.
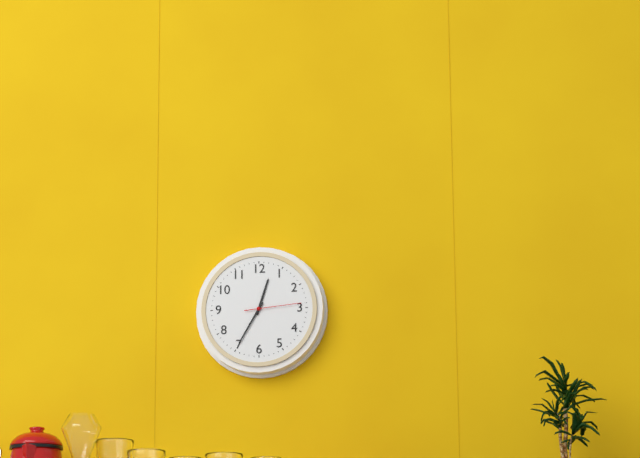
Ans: 12:35:14
